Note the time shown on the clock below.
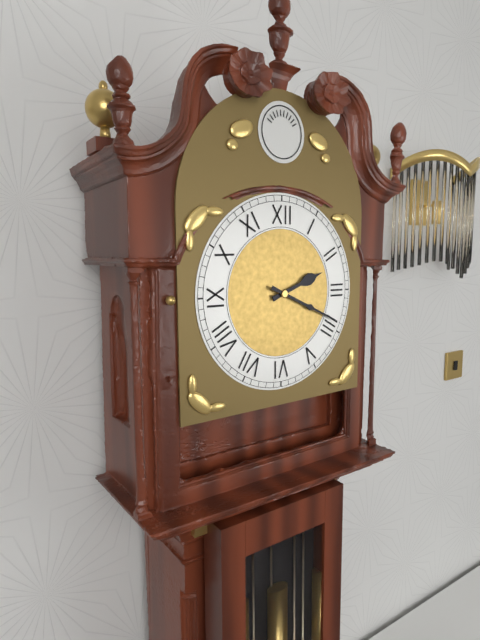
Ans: 2:19
